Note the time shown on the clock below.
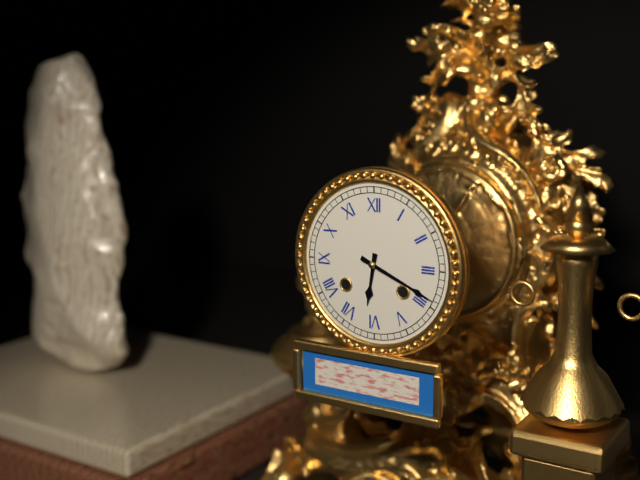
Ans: 6:19
